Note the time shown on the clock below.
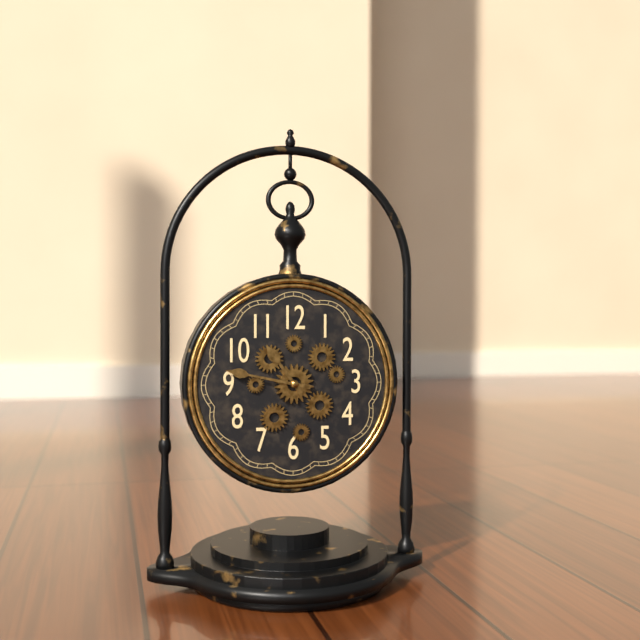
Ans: 10:47
